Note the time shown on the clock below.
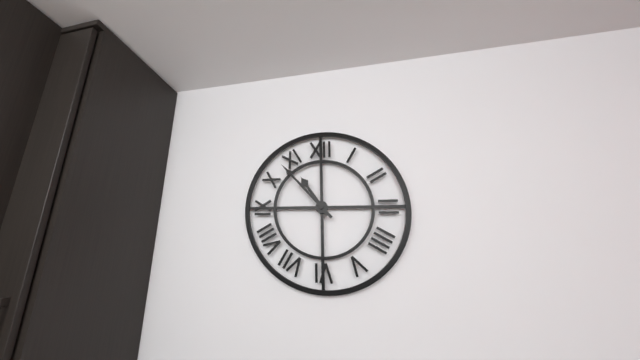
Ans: 10:53
